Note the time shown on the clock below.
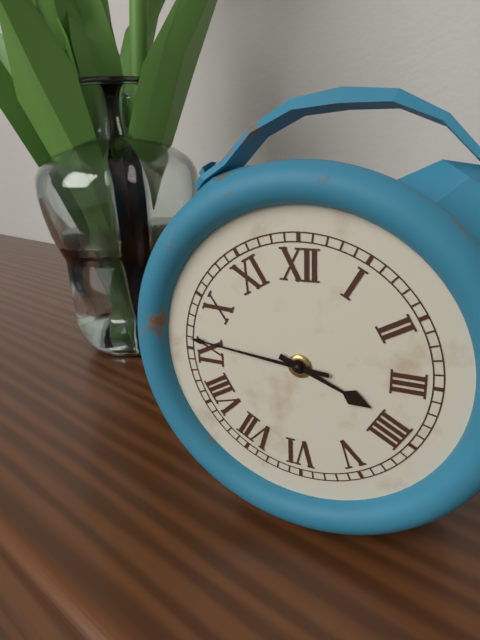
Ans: 3:46
